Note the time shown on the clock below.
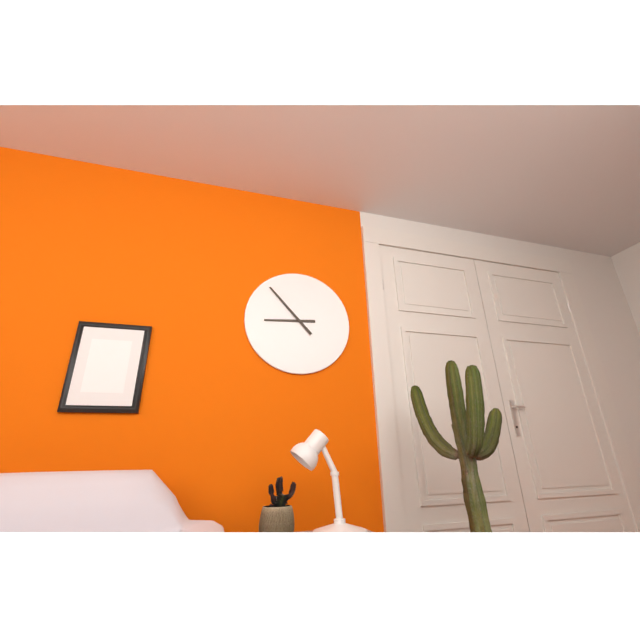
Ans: 8:53
